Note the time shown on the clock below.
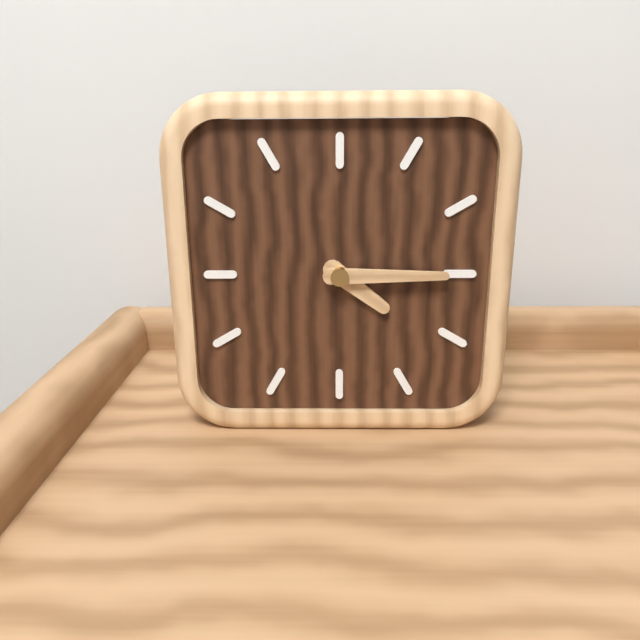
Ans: 4:15
